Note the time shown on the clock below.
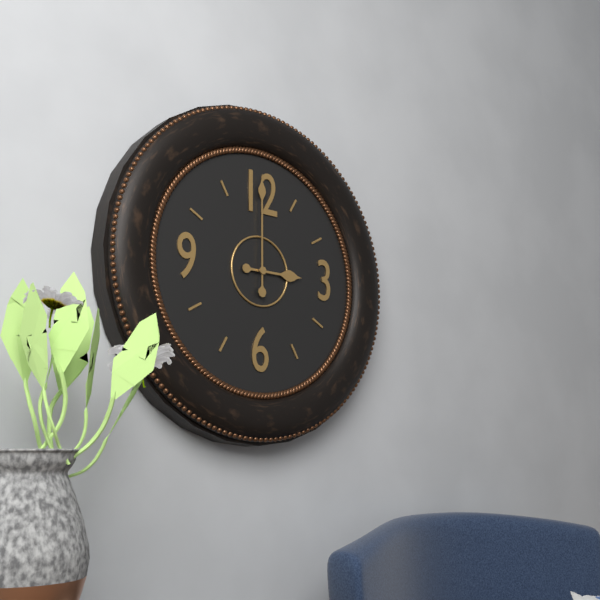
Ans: 3:00
